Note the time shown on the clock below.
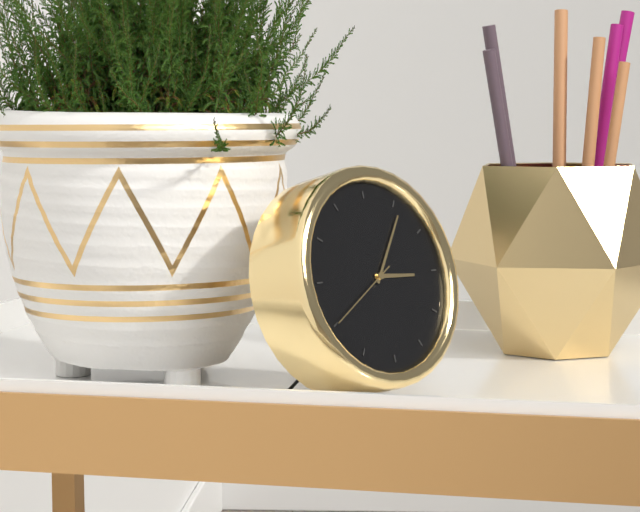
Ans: 3:06:40
